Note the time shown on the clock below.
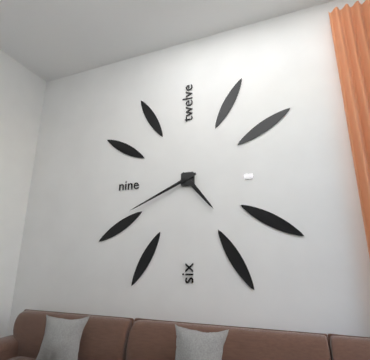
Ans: 4:41
